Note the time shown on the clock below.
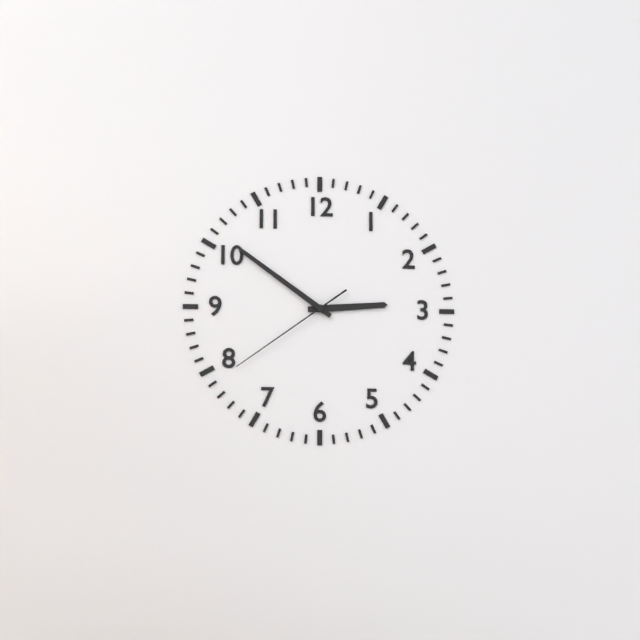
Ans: 2:51:39
